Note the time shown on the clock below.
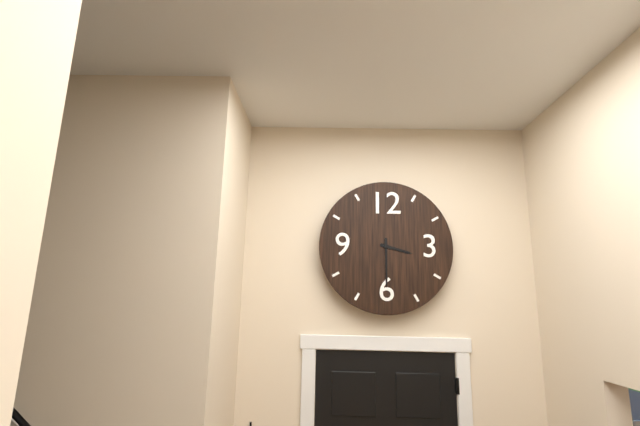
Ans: 3:30
